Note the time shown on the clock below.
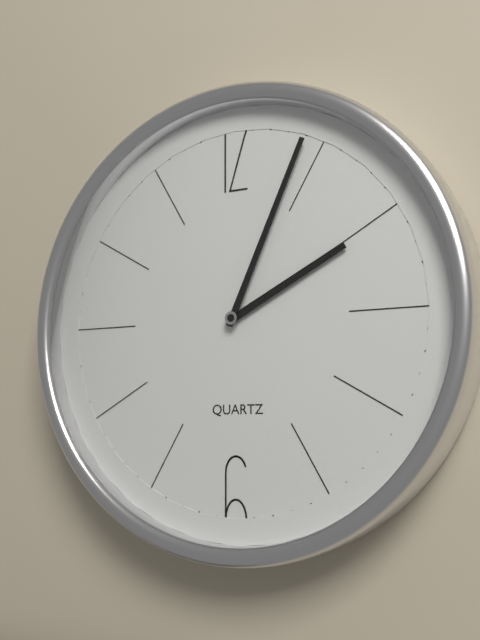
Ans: 2:04
